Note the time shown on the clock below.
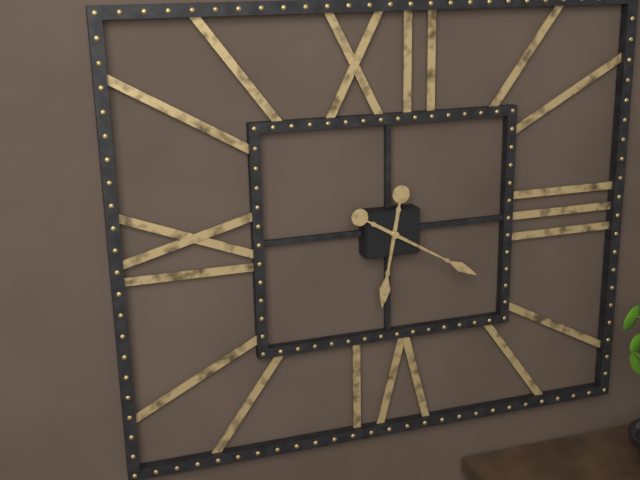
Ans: 6:20
